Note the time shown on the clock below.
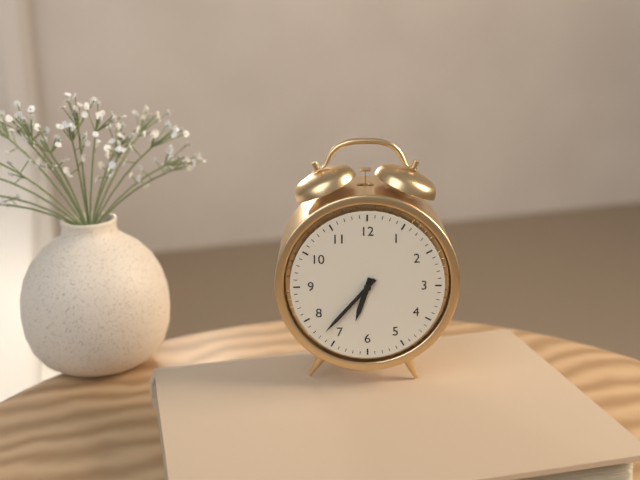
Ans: 6:37
